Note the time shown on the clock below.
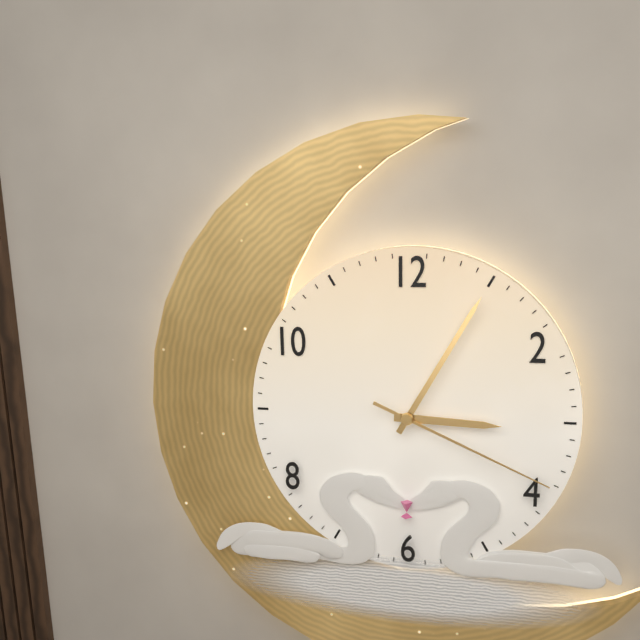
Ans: 3:05:19
